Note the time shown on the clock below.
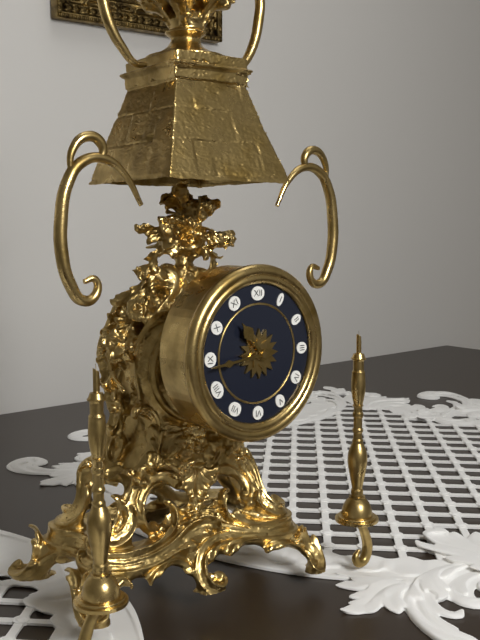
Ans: 10:44
